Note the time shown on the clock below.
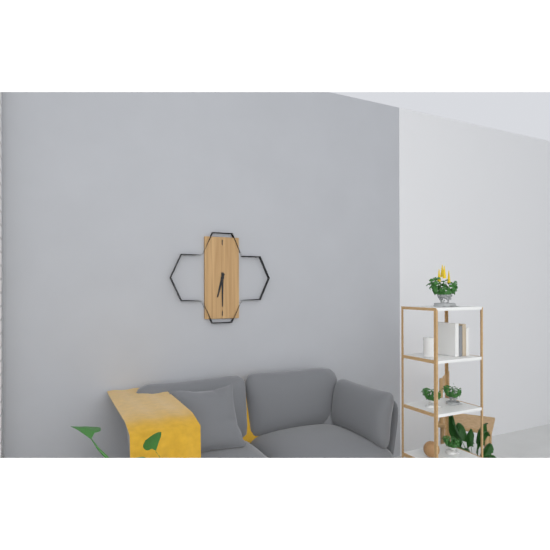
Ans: 6:30
